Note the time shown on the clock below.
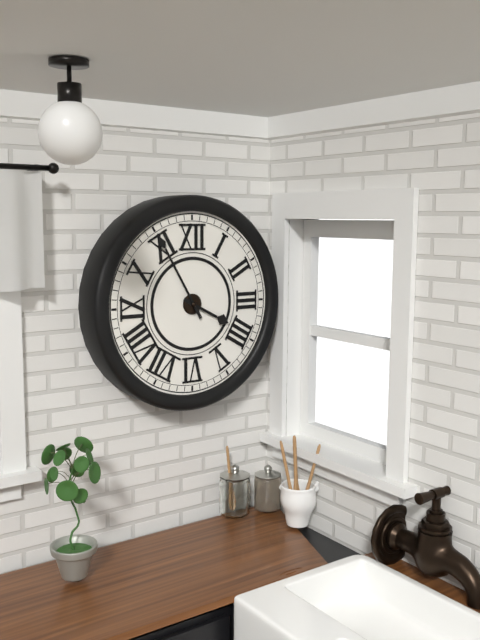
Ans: 3:55
